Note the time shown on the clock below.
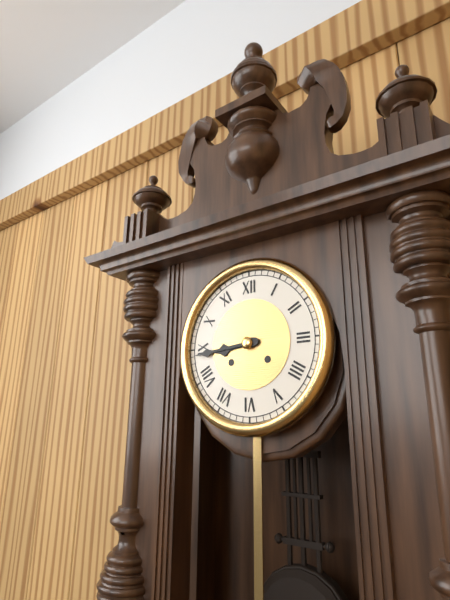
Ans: 8:44
